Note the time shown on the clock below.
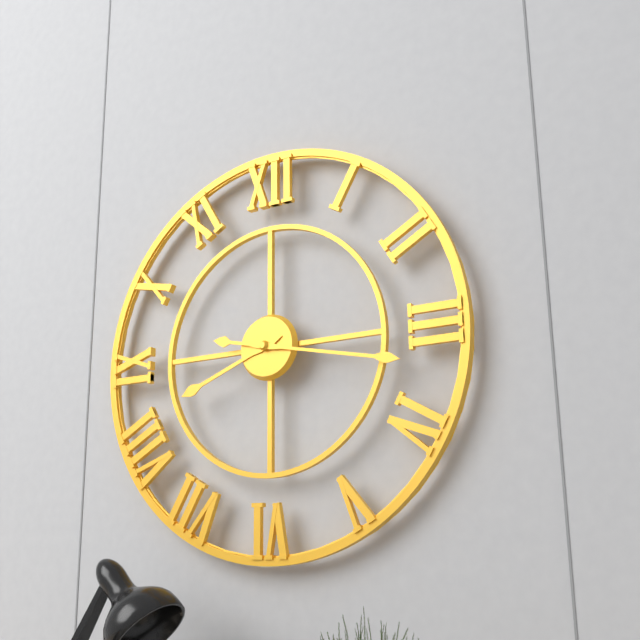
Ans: 8:17
